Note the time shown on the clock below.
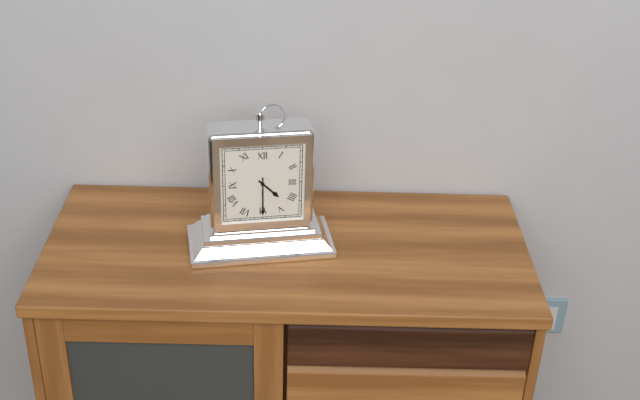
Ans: 4:30
